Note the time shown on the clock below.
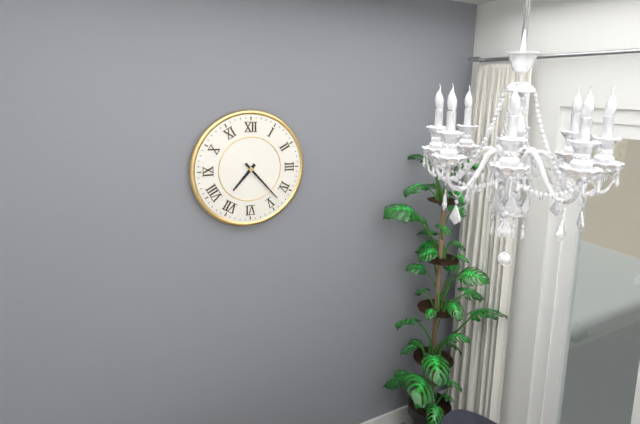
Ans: 7:23
